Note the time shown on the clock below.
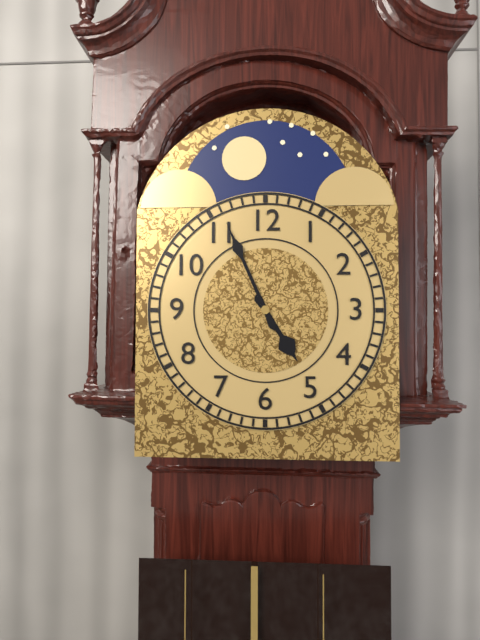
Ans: 4:56
